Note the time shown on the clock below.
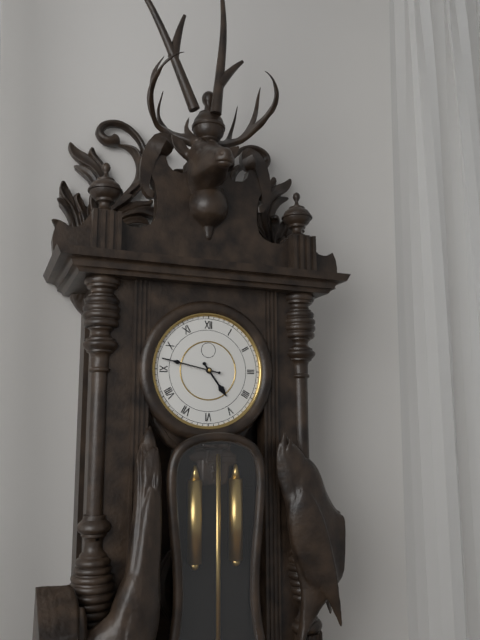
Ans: 4:47
